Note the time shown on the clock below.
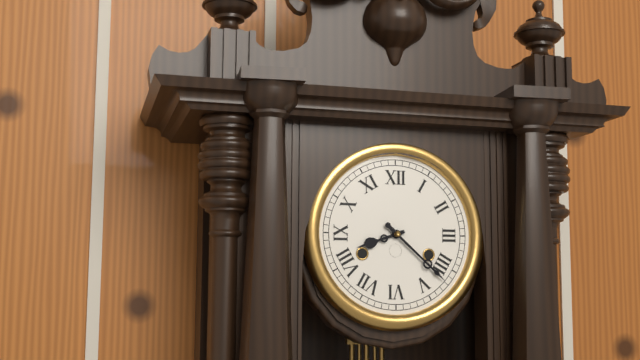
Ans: 8:22
